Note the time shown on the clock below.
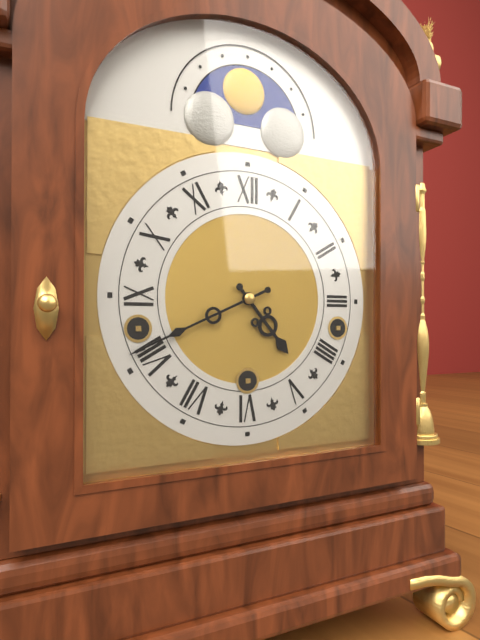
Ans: 4:41
